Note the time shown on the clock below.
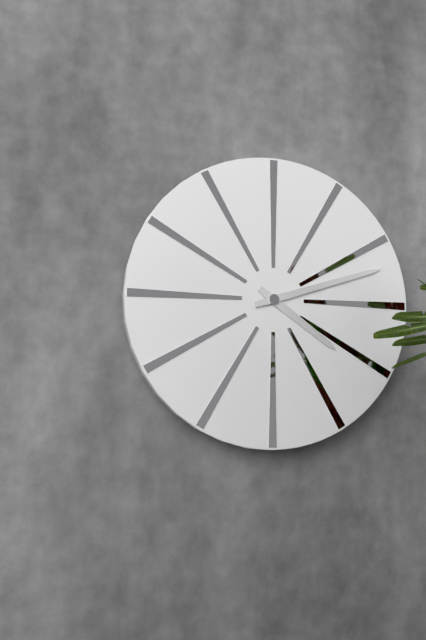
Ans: 4:12
